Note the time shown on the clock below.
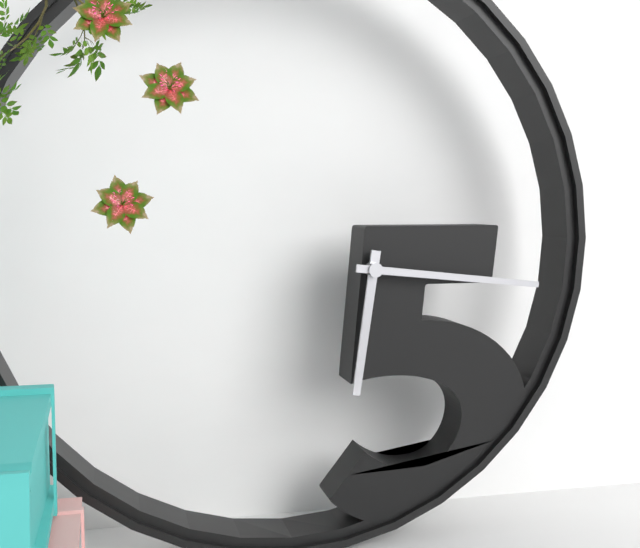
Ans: 6:16
